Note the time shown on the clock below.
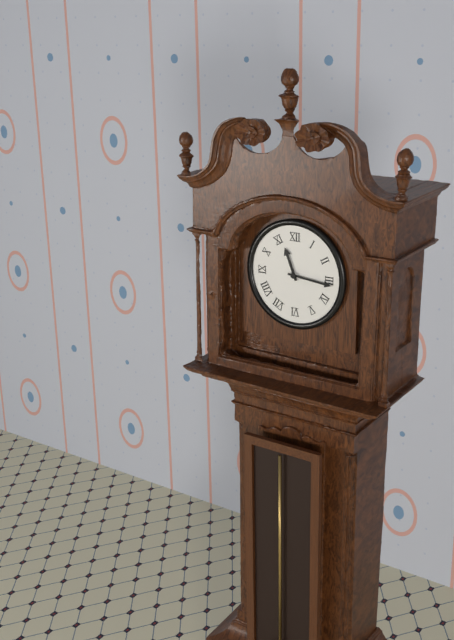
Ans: 11:16
